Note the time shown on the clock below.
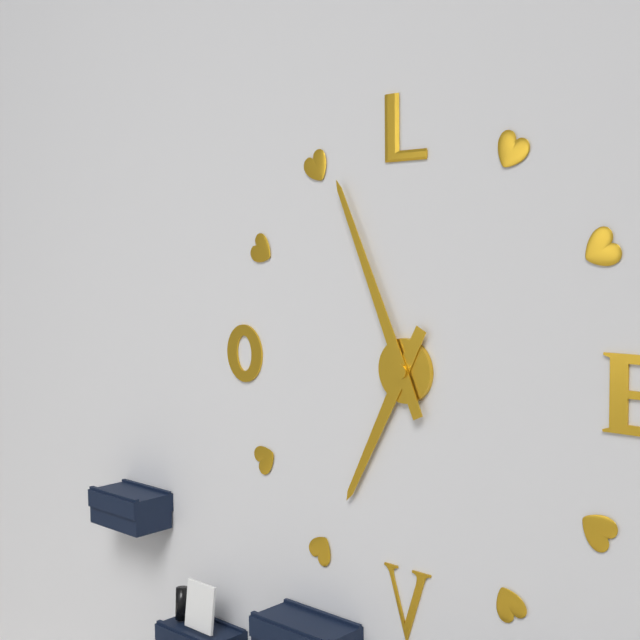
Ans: 6:56
